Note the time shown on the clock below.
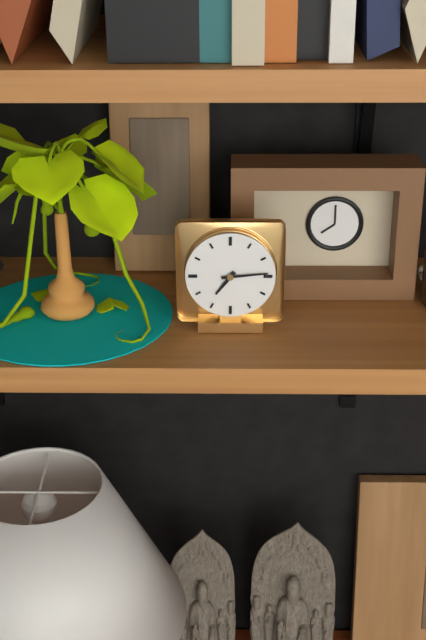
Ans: 7:14
